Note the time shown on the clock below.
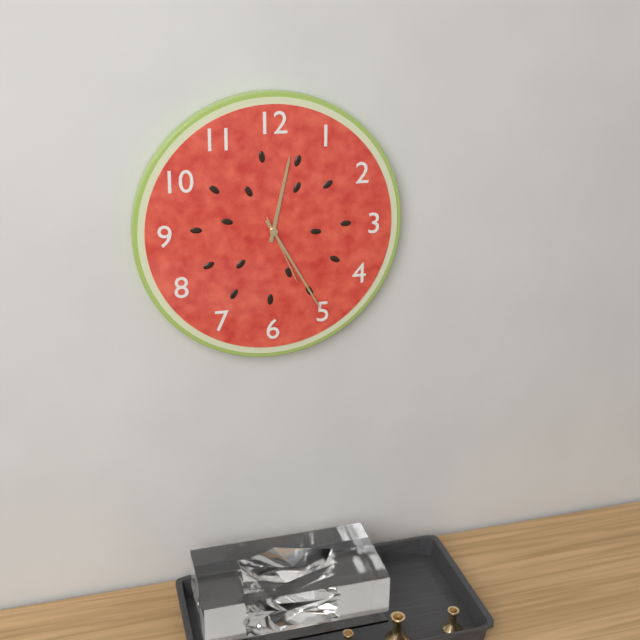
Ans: 12:25:26
